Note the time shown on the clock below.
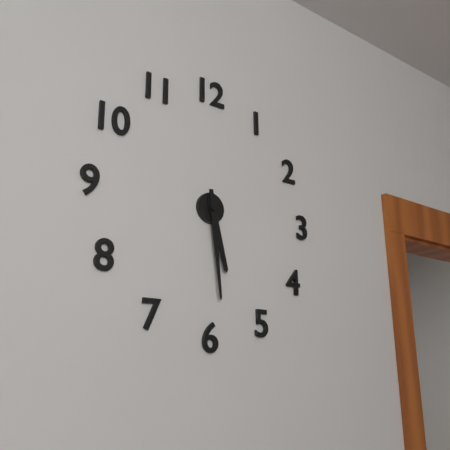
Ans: 5:29
